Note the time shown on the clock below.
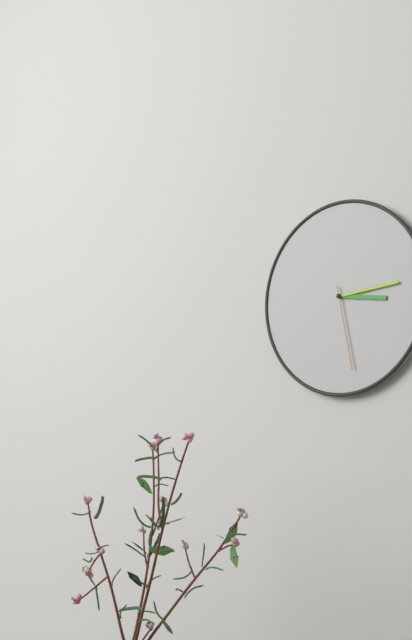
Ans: 3:14:28
